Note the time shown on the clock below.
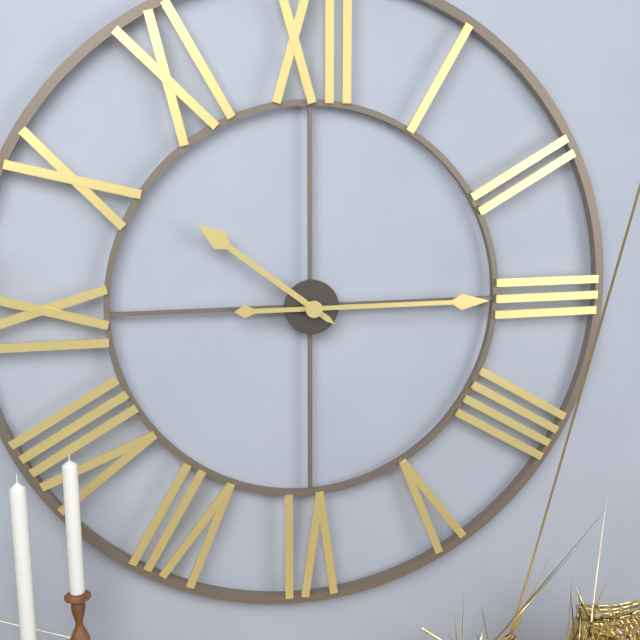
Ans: 10:15
